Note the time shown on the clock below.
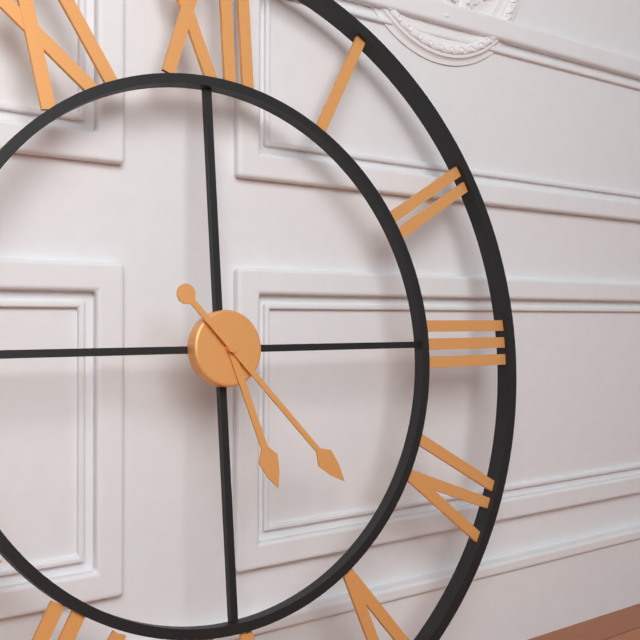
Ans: 5:23
